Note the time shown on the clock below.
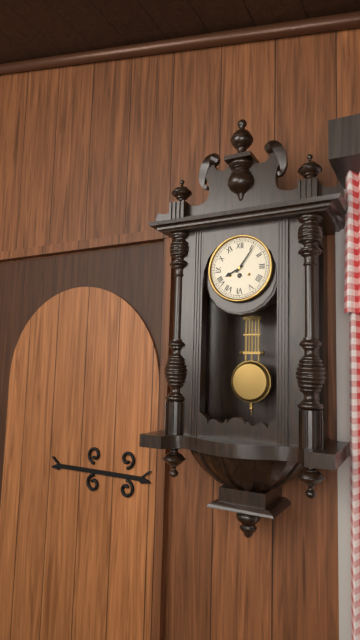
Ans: 8:06
